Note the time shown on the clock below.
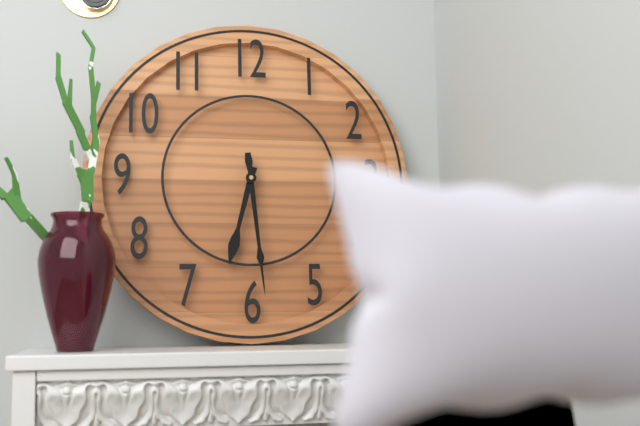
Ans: 6:29
